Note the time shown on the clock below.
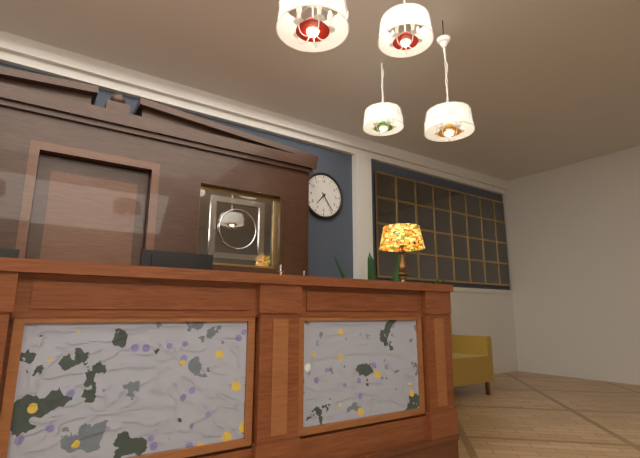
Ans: 7:24
